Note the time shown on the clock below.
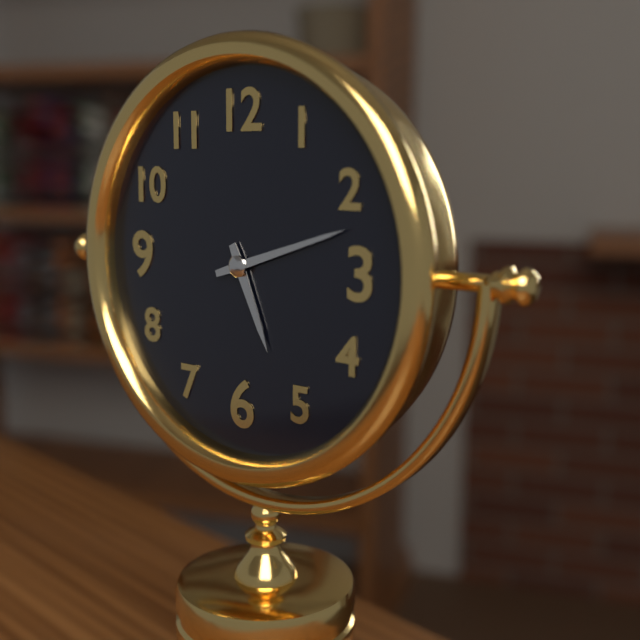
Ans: 5:12
